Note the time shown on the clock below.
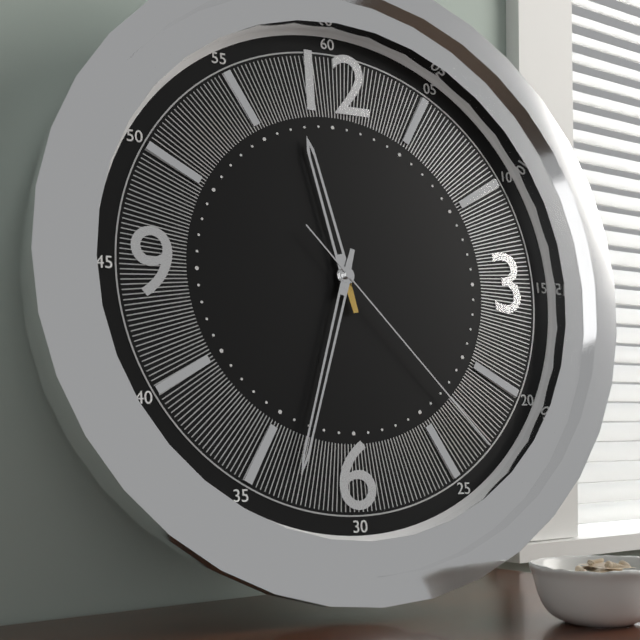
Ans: 11:33:23
